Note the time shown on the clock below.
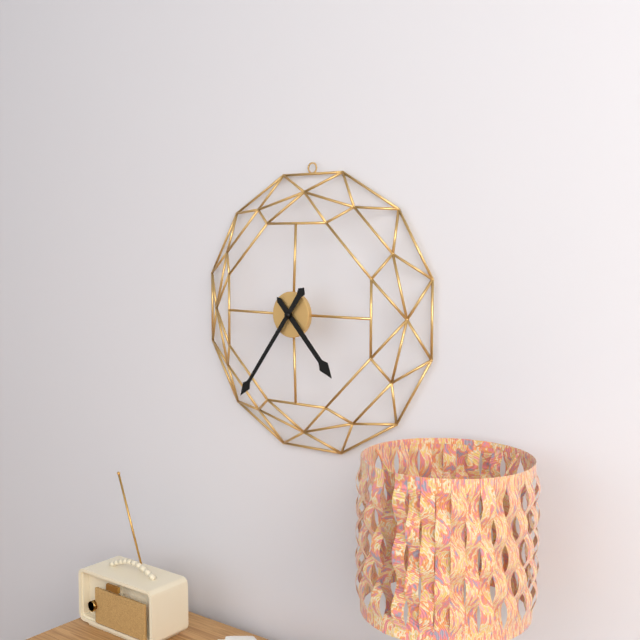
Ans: 4:36
